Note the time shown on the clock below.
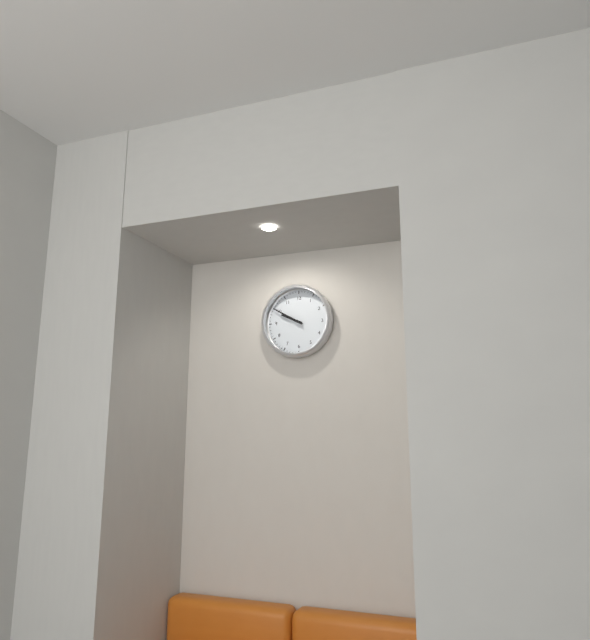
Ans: 9:50
